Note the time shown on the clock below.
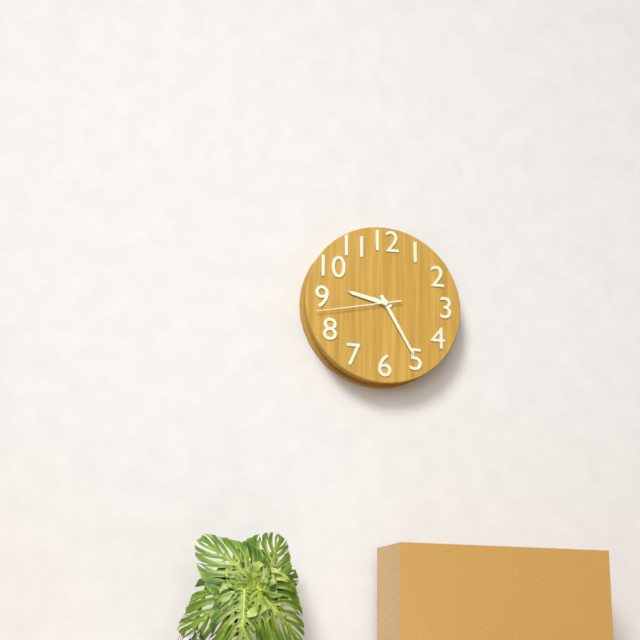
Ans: 9:25:43
